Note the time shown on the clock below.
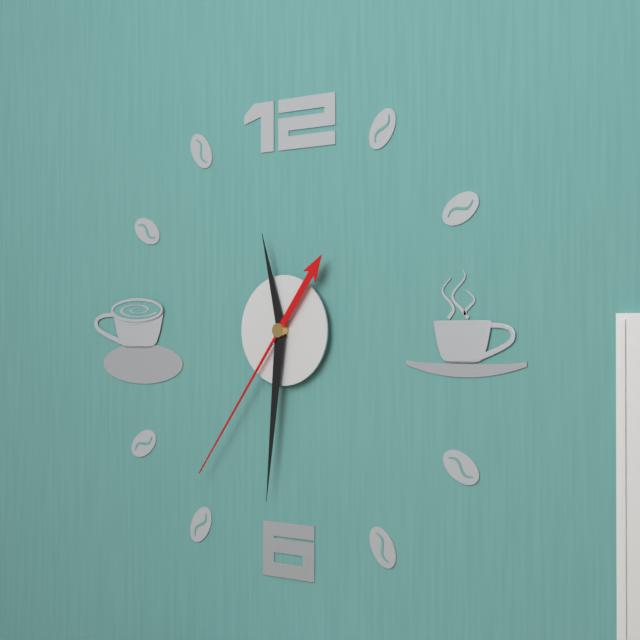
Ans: 11:31:36
